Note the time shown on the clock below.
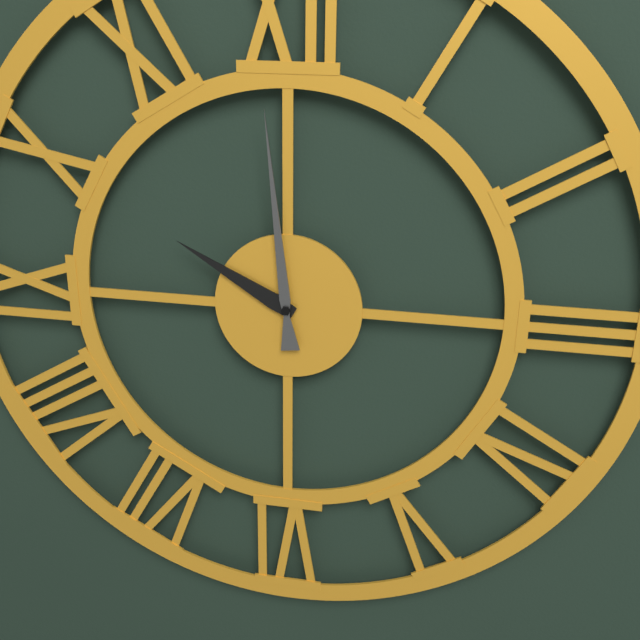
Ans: 9:59
